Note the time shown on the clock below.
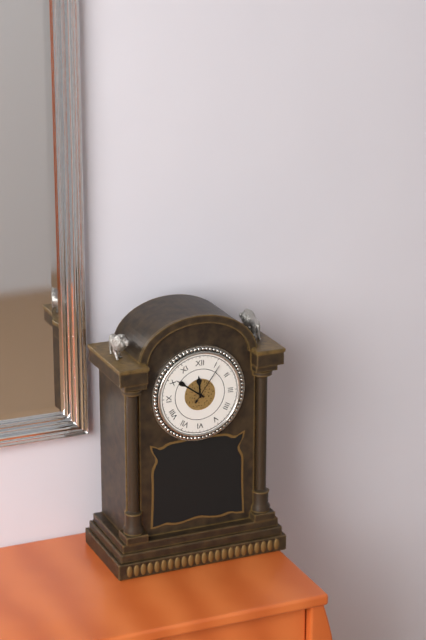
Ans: 11:51
